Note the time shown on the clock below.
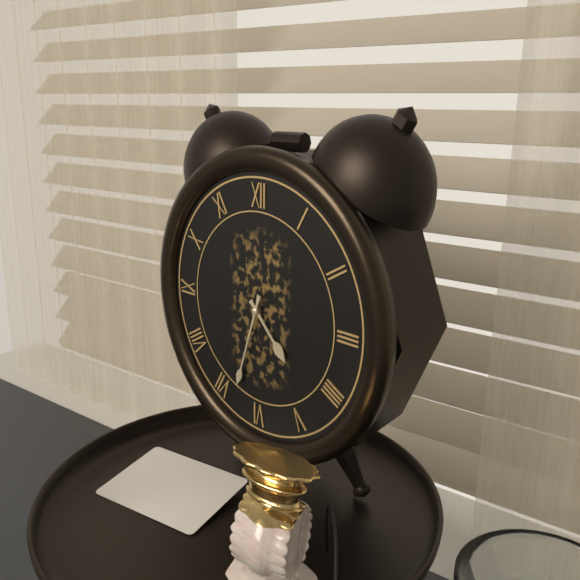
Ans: 4:33
